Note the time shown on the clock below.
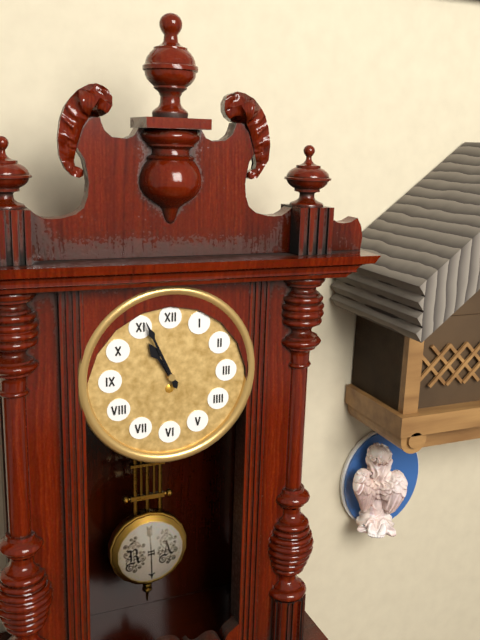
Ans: 10:56
